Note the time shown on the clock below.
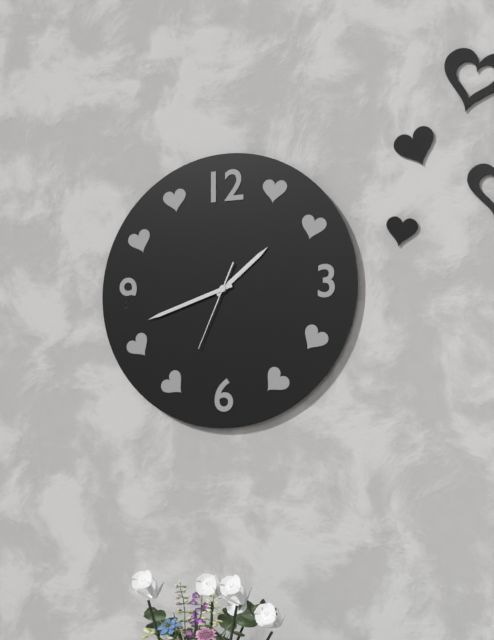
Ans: 1:42:34
